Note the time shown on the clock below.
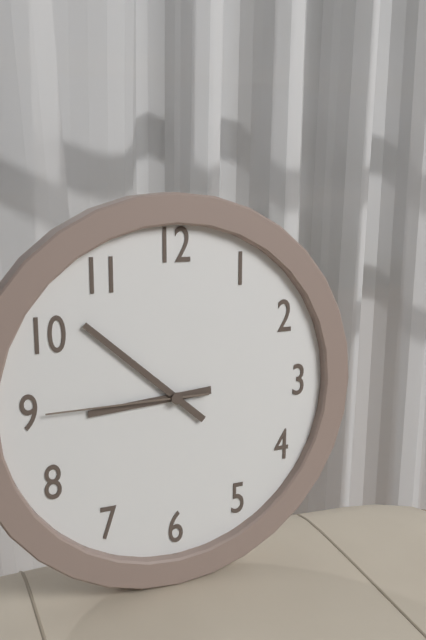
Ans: 8:52:45
